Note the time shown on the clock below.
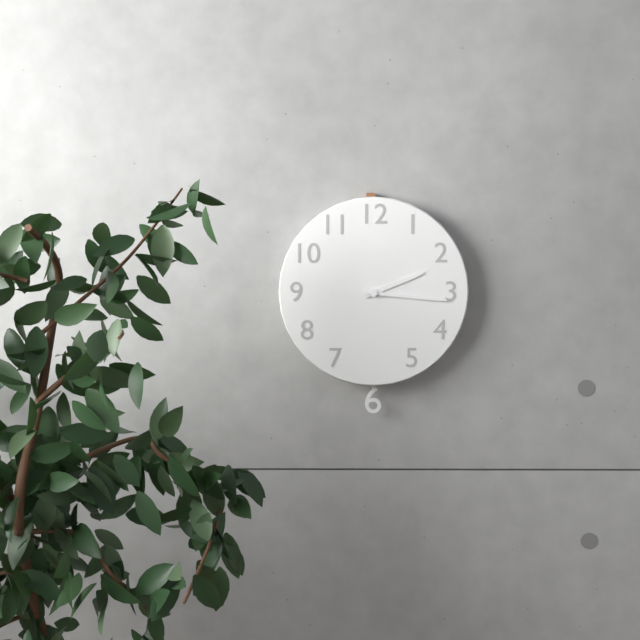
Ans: 2:16
